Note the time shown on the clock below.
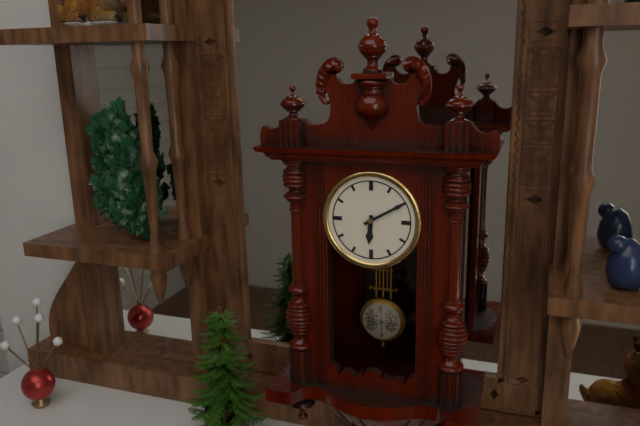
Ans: 6:10
